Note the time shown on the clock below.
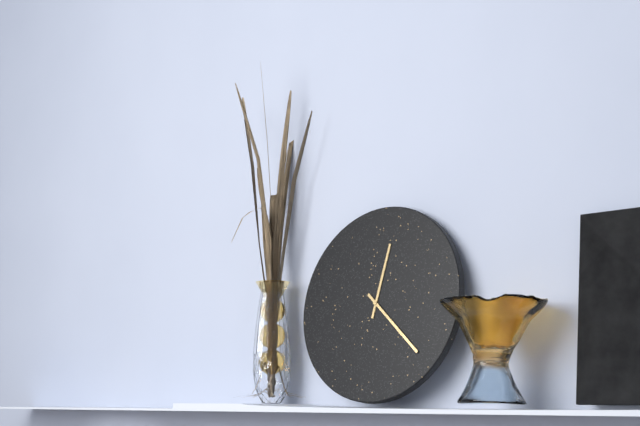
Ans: 12:22
